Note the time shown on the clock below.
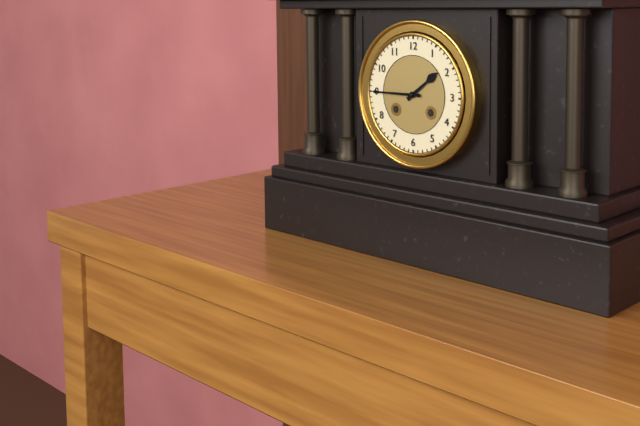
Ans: 1:45
